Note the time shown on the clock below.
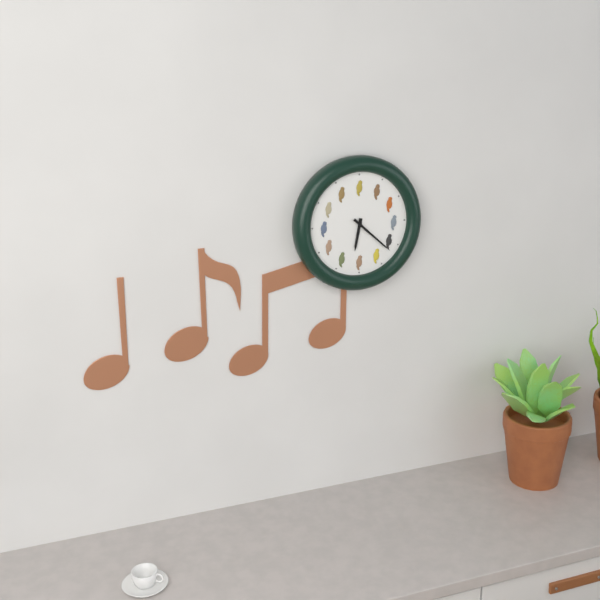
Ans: 6:22
